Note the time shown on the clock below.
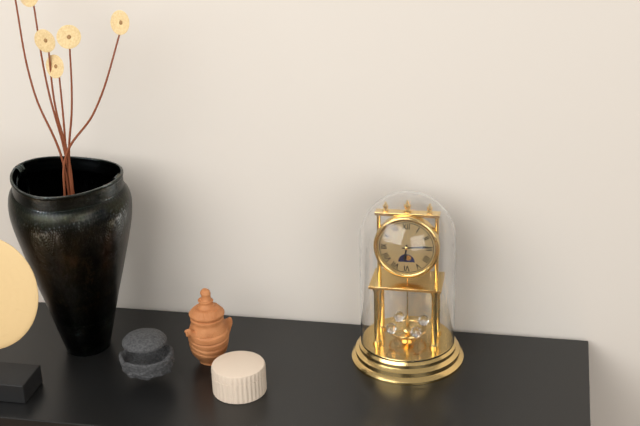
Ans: 6:14
